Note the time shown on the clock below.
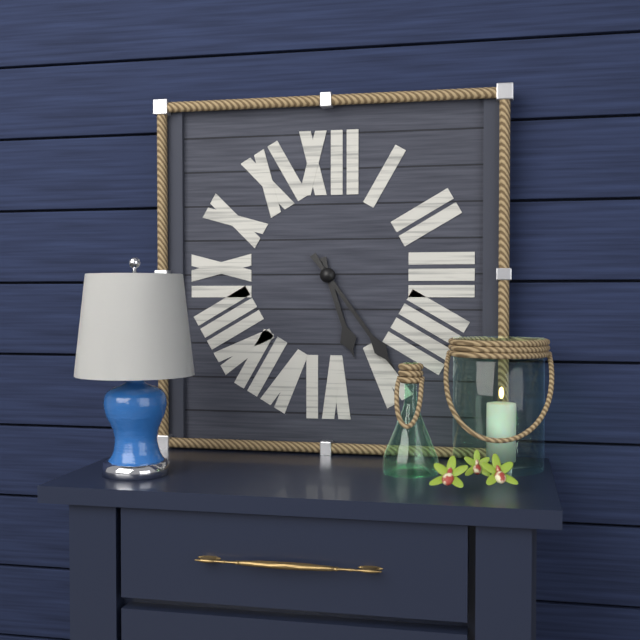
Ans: 5:24
